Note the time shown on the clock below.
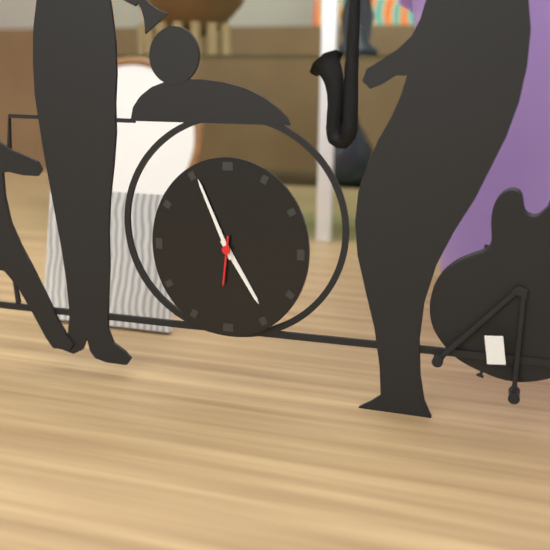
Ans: 4:56:31
